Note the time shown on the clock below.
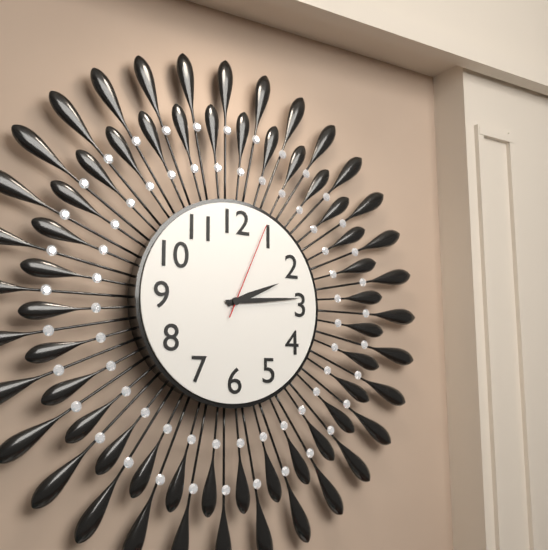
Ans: 2:14:04
